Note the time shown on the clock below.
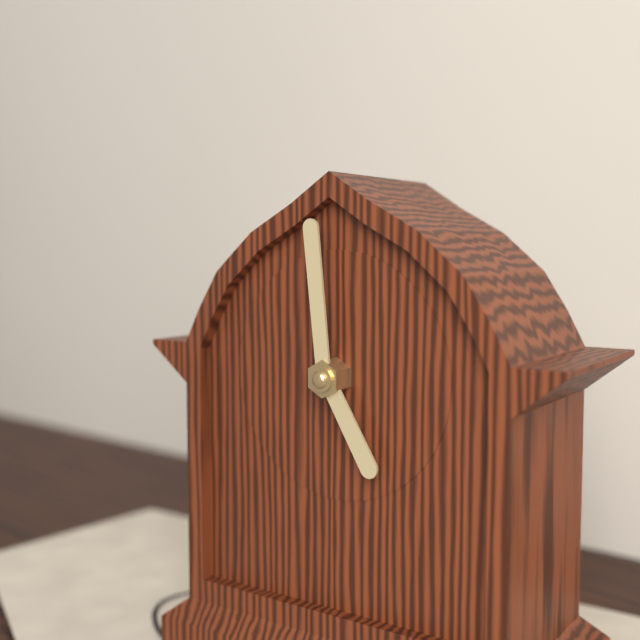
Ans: 4:59
